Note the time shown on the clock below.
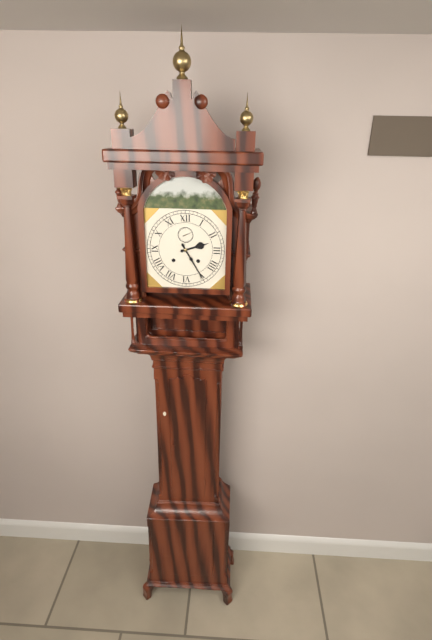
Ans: 2:25
